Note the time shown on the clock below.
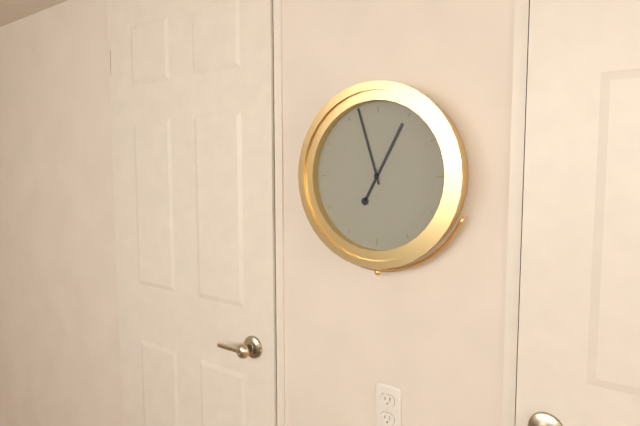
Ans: 12:57
